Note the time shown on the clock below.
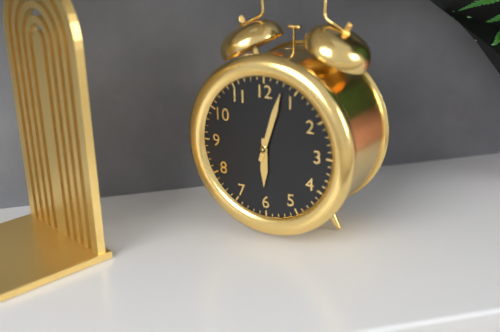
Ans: 6:03
